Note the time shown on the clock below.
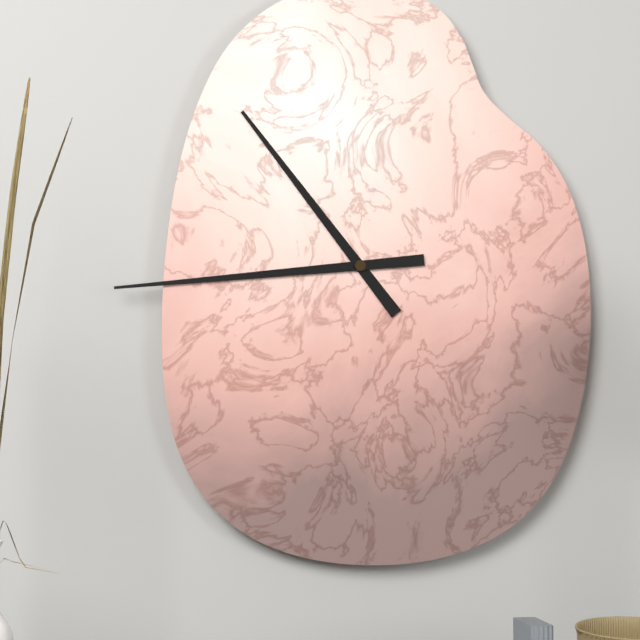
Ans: 10:44
